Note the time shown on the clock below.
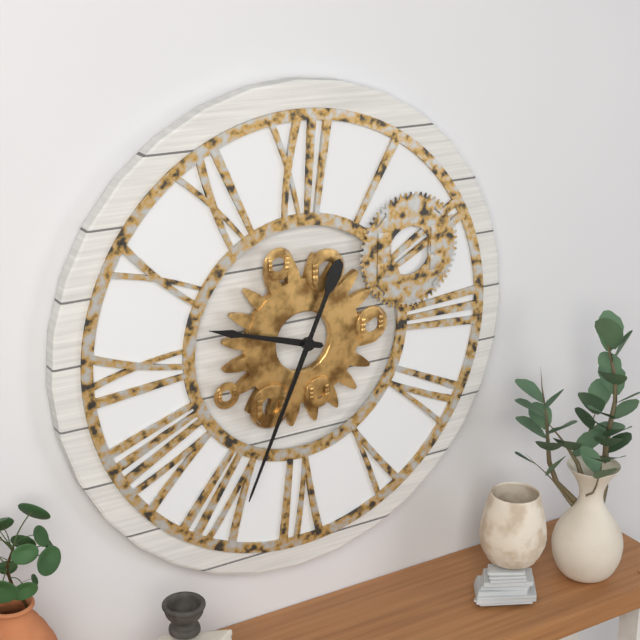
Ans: 9:34
